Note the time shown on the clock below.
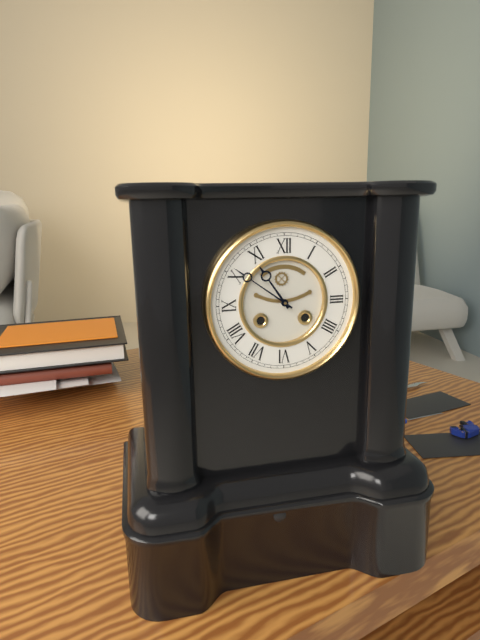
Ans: 10:51
